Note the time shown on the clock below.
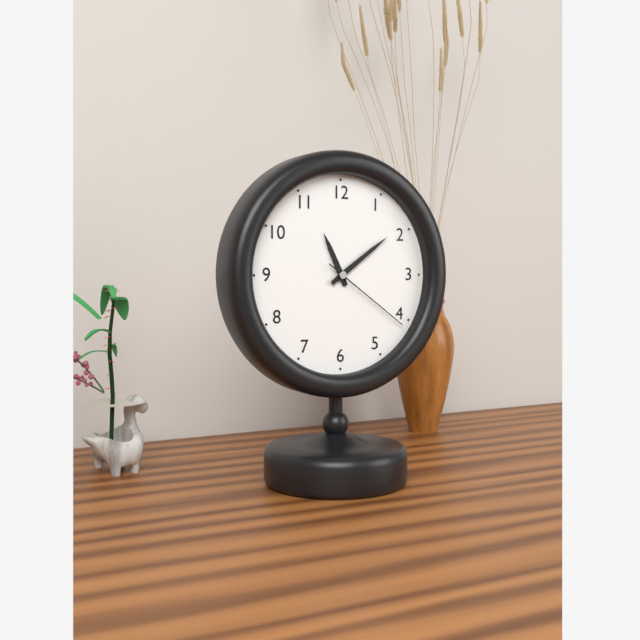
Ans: 11:09:21
